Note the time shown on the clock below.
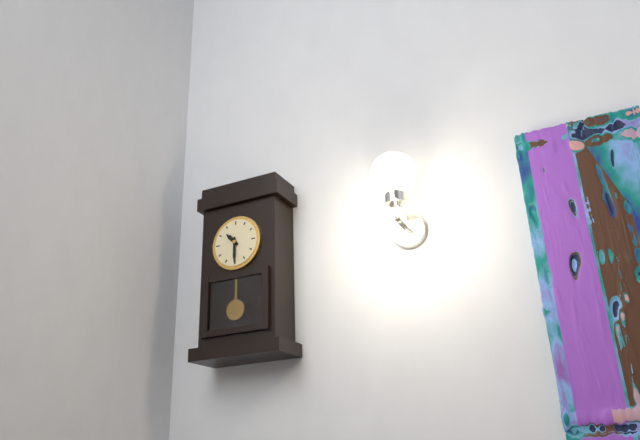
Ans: 10:30
